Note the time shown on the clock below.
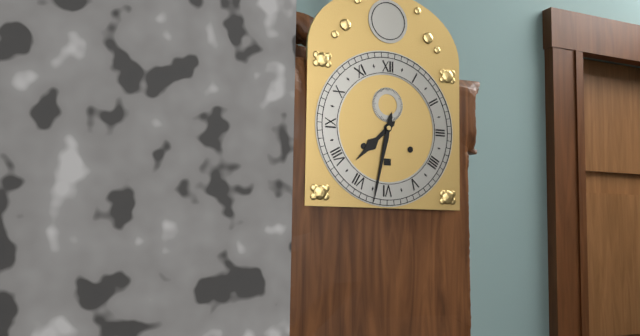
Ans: 7:32
